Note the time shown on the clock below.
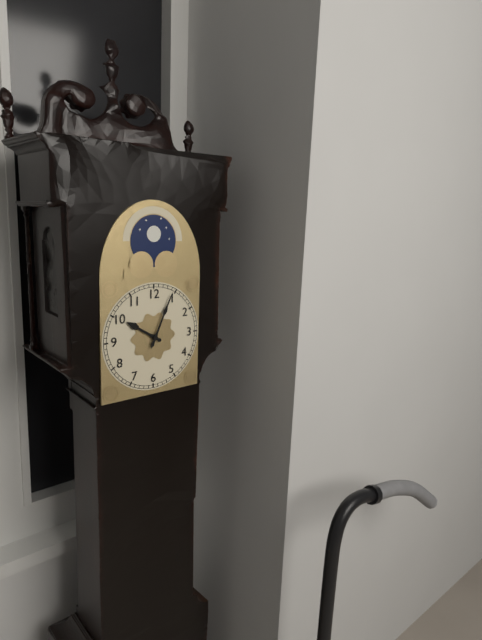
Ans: 10:04
